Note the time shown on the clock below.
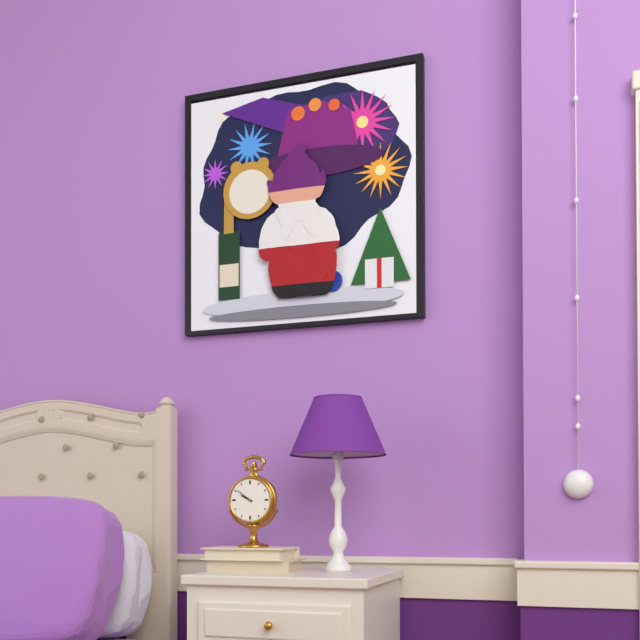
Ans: 9:51
